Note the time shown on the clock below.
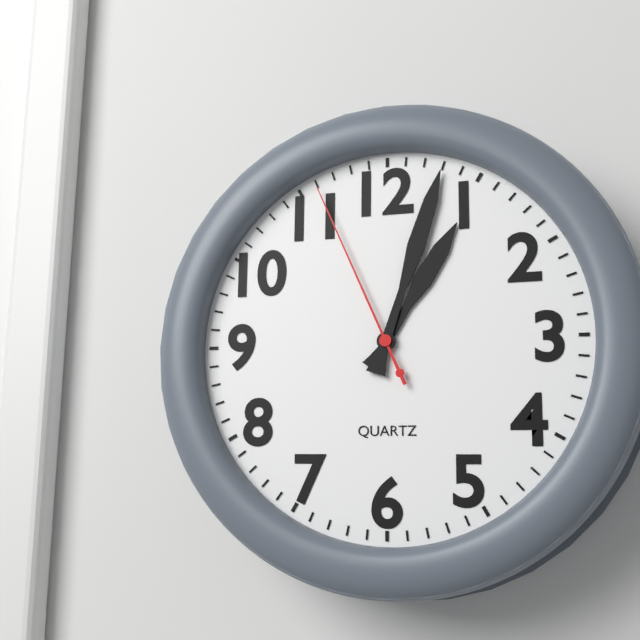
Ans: 1:03:56
